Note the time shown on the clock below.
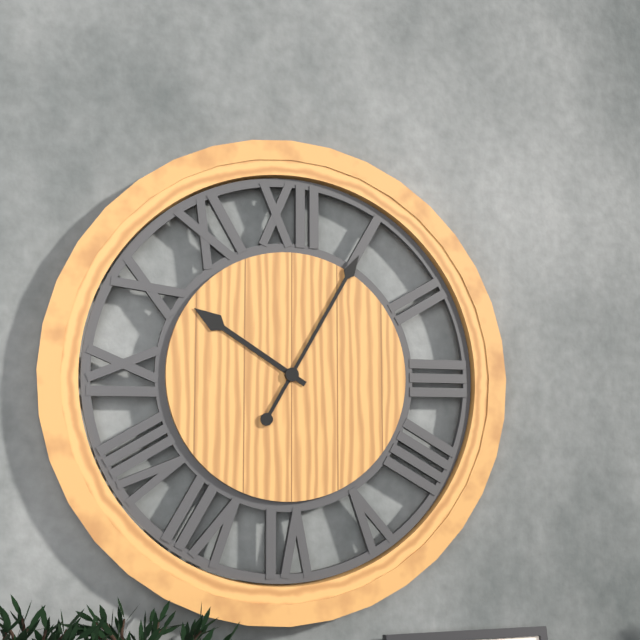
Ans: 10:05
